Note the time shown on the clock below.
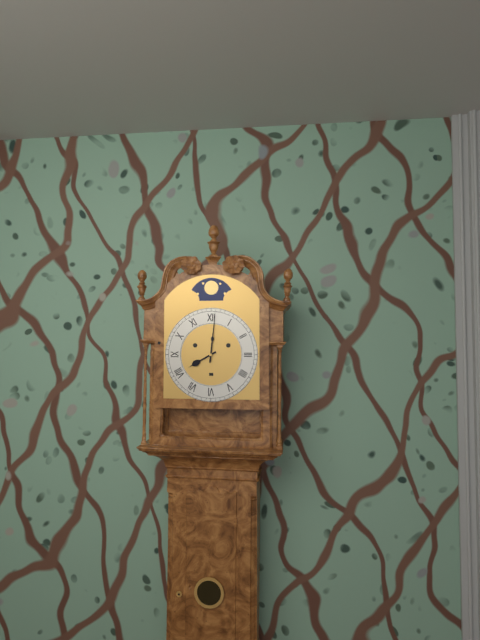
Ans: 8:01
